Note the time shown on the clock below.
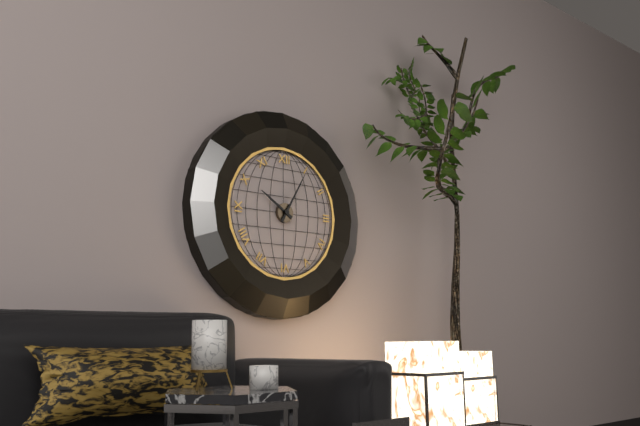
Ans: 10:05
